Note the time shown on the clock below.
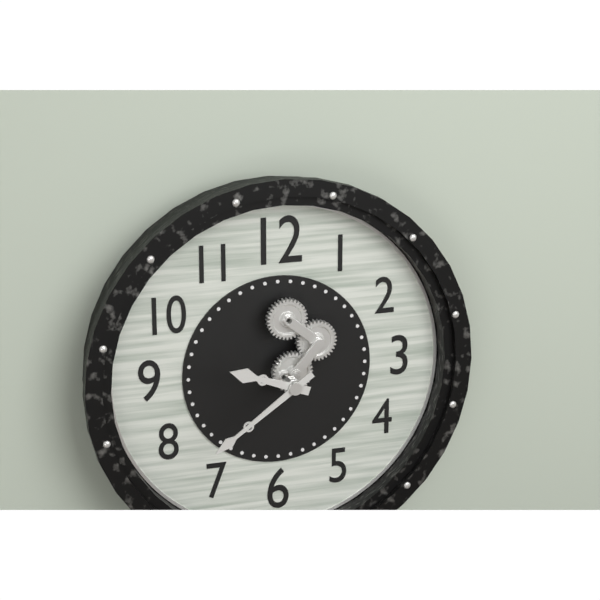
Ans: 9:39
